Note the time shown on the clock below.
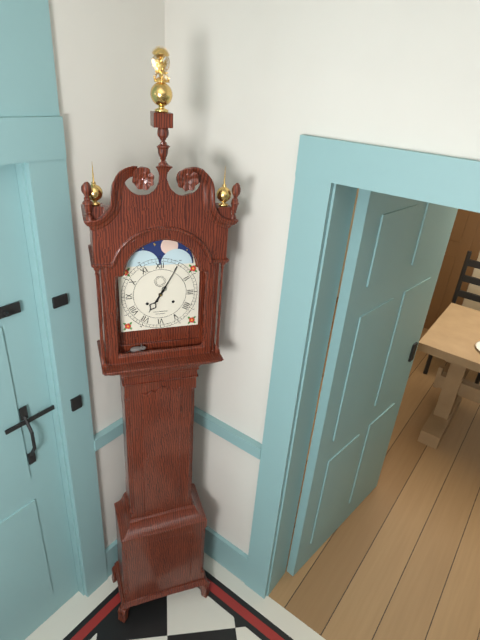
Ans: 7:05
